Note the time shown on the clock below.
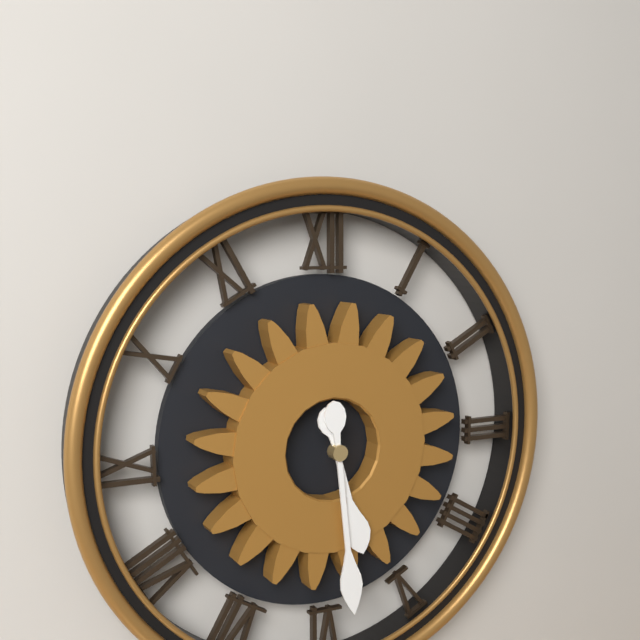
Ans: 5:29
